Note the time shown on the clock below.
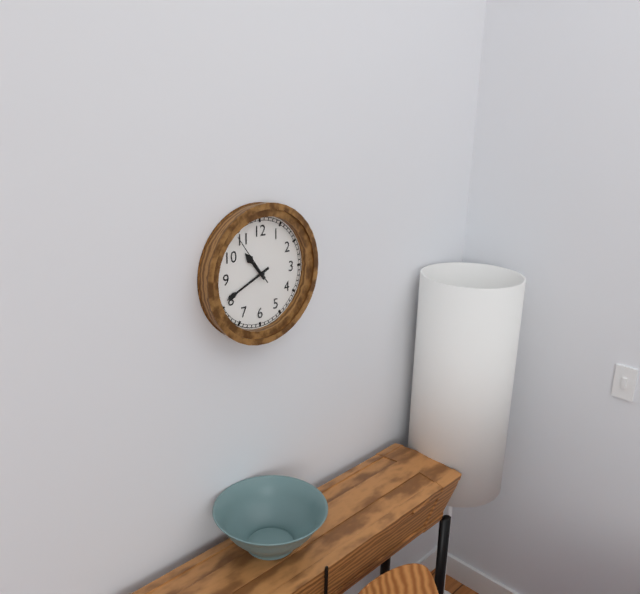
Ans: 10:41:54
